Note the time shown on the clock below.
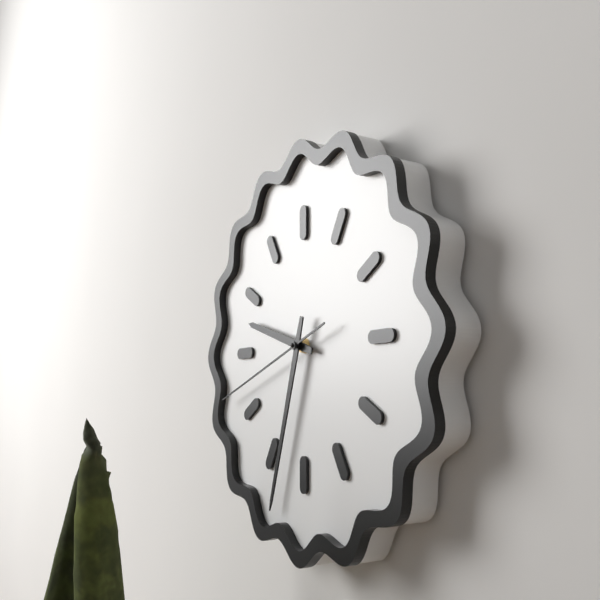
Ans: 9:33:42
